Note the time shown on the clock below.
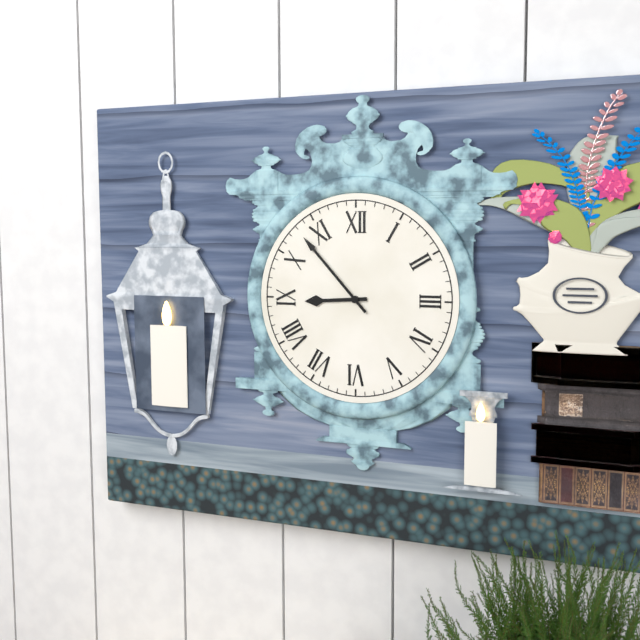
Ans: 8:53
